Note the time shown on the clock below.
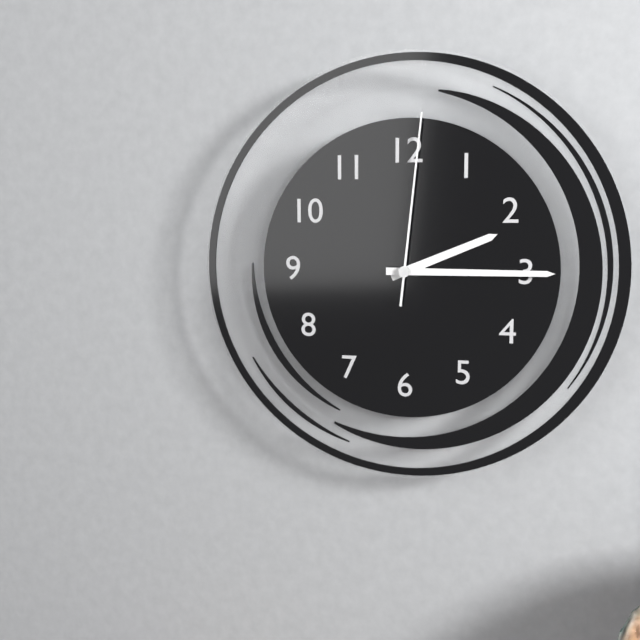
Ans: 2:15:01
